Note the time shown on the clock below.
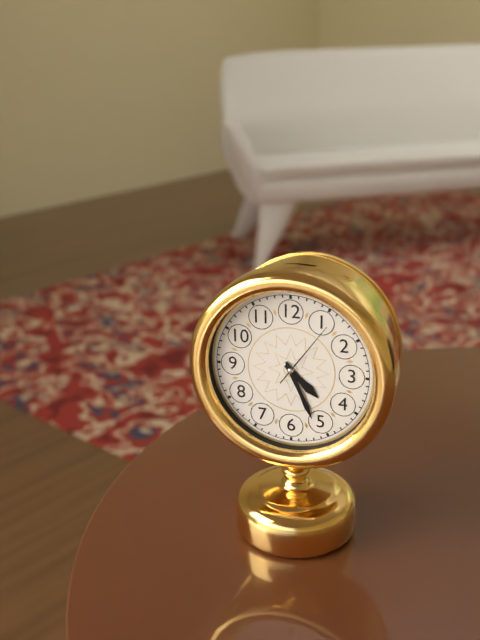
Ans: 4:26:06
